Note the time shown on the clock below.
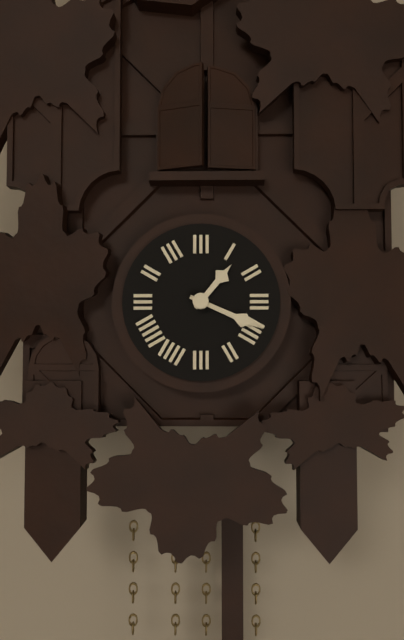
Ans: 1:19
